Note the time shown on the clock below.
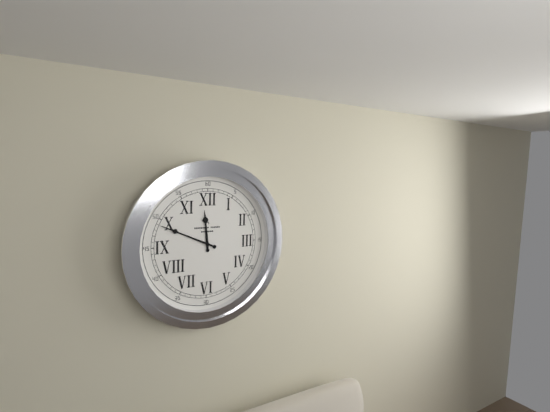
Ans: 11:49
